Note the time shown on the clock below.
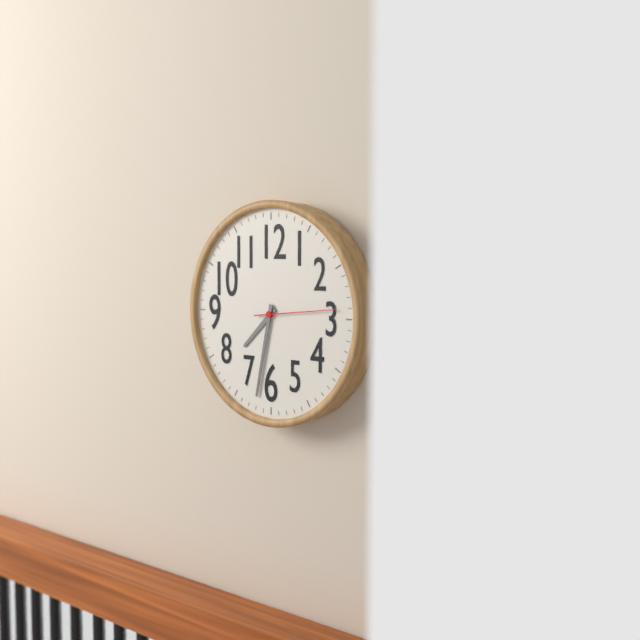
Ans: 7:32:14
